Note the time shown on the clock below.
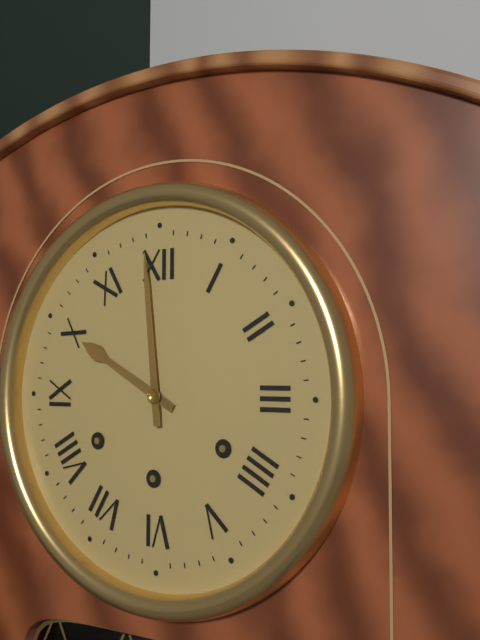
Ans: 9:59
